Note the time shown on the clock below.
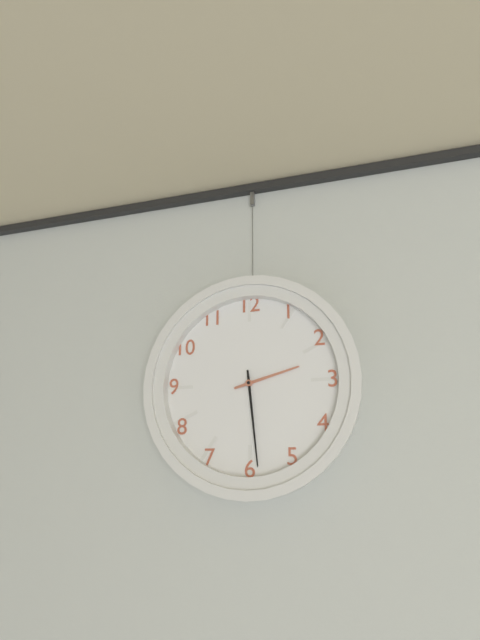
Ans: 2:29
